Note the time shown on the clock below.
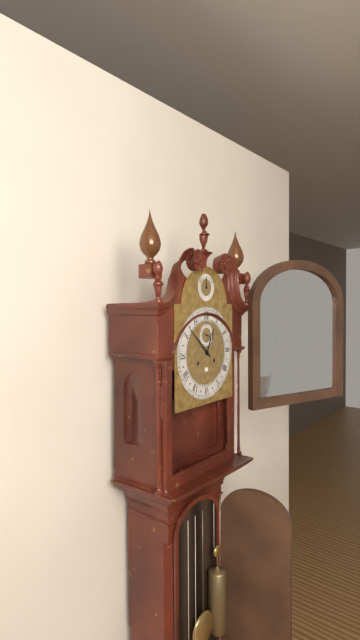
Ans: 12:52
